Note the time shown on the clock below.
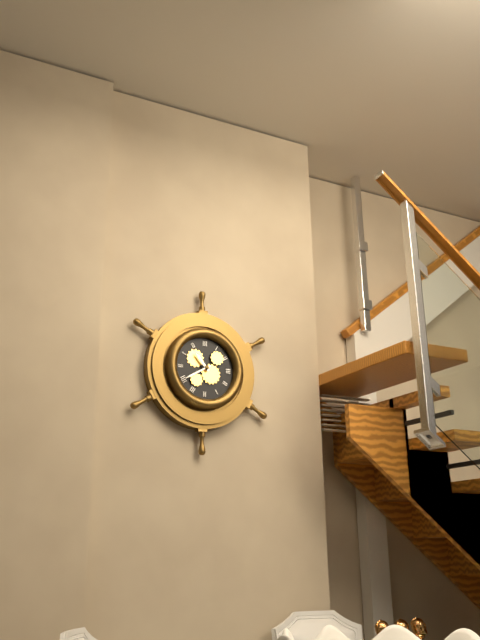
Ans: 10:40
